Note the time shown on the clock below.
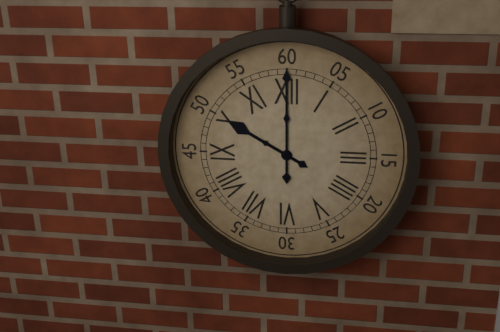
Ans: 10:00
